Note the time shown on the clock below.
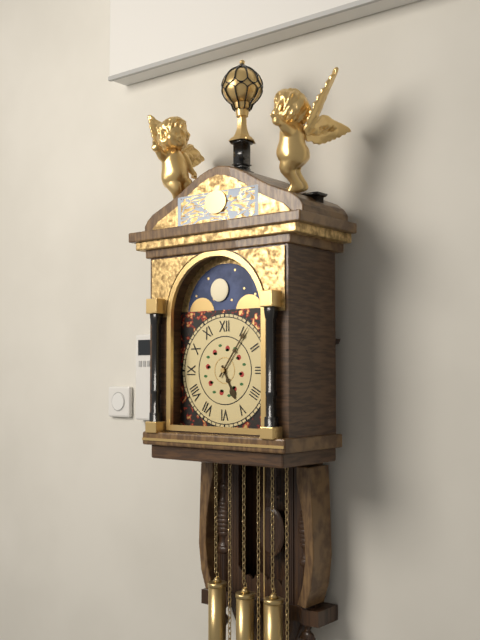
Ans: 5:06
